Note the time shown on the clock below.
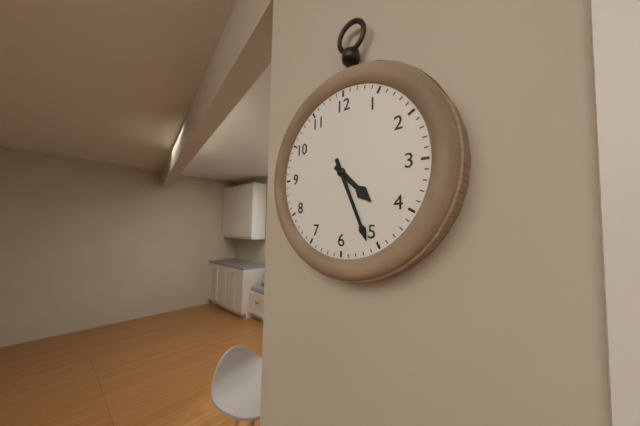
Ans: 4:26
